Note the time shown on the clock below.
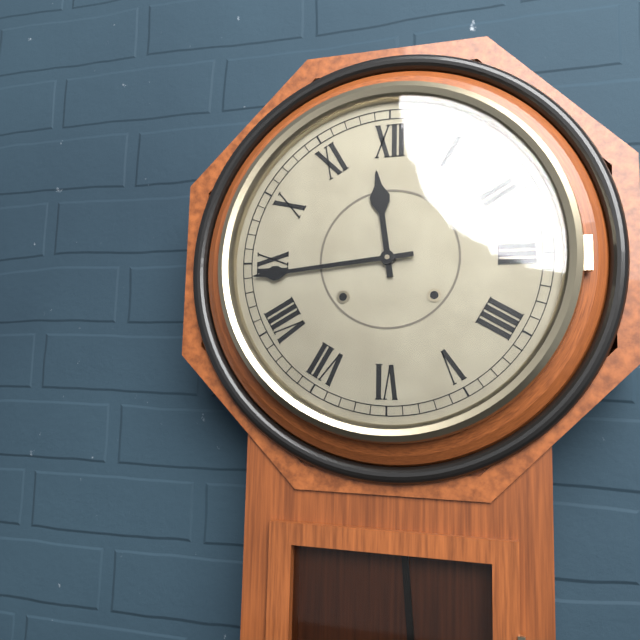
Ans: 11:44
